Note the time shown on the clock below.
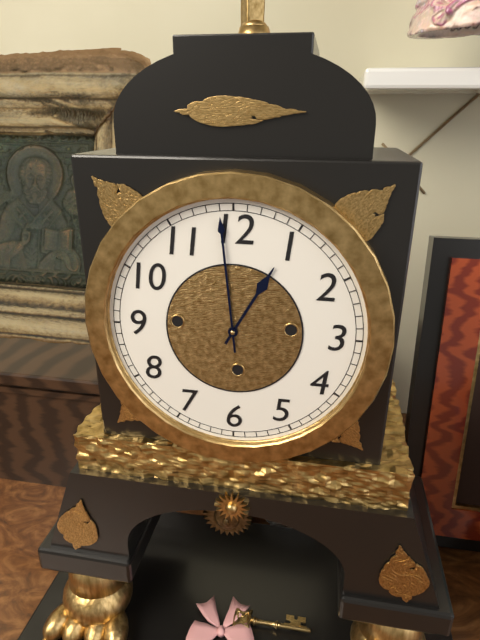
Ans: 12:59
